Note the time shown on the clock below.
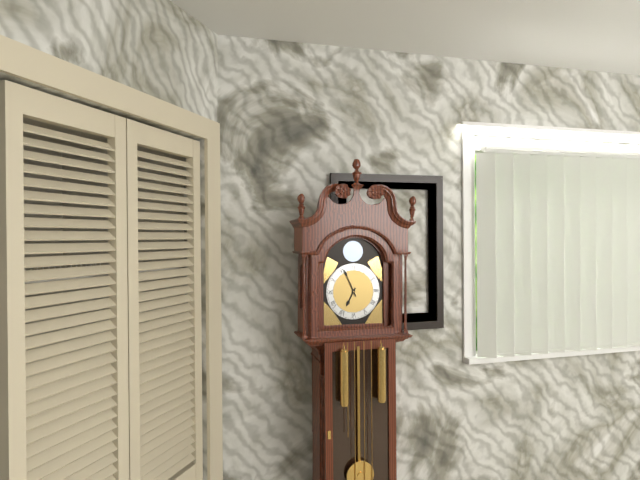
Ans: 6:56
